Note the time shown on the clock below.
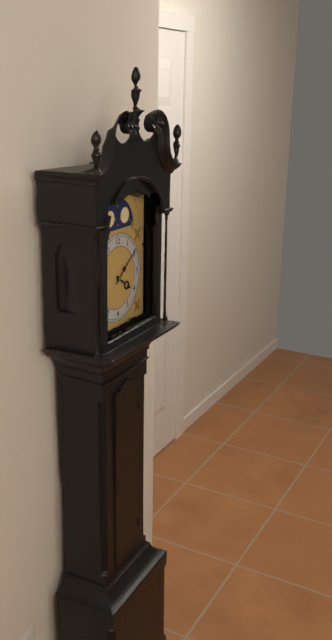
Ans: 4:09
